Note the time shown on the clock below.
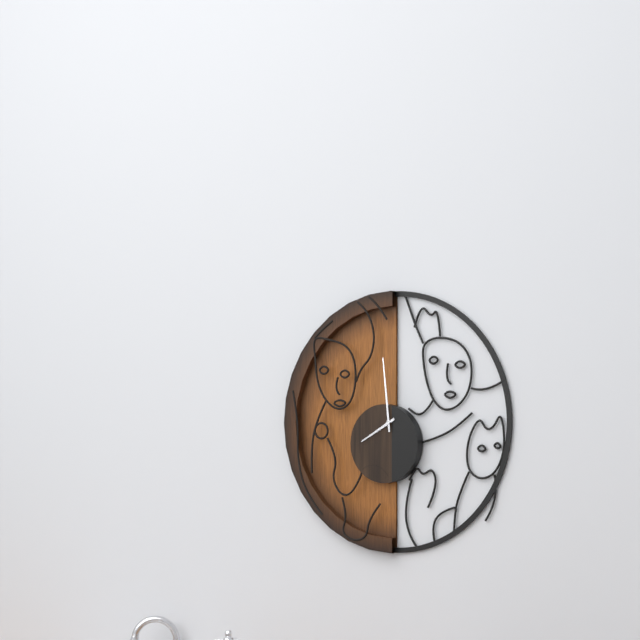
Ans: 7:59
